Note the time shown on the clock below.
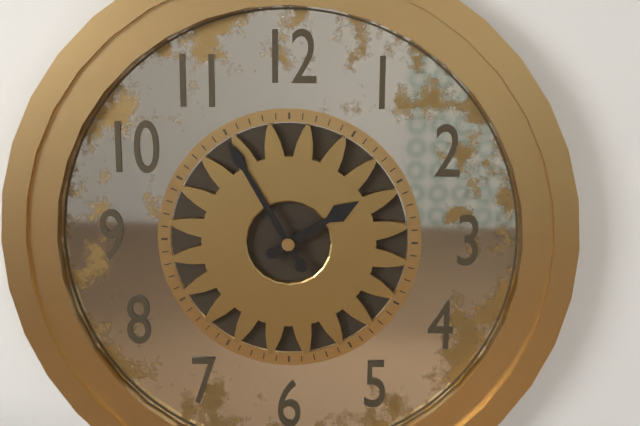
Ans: 1:55
